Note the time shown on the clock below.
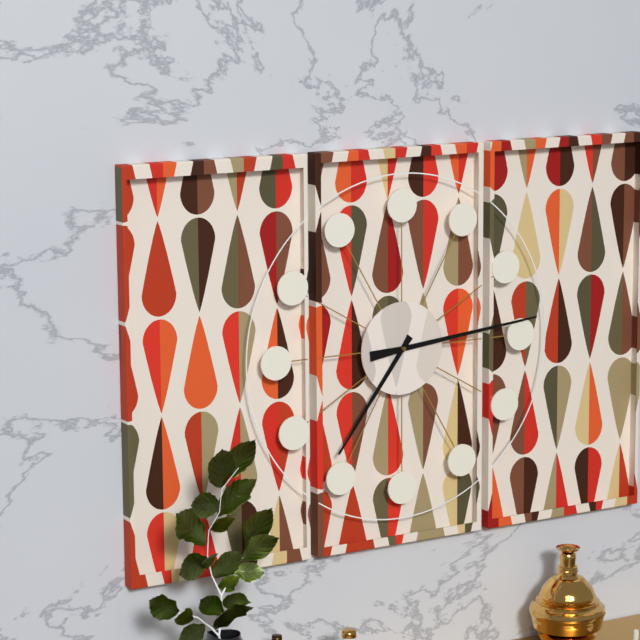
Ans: 7:14
